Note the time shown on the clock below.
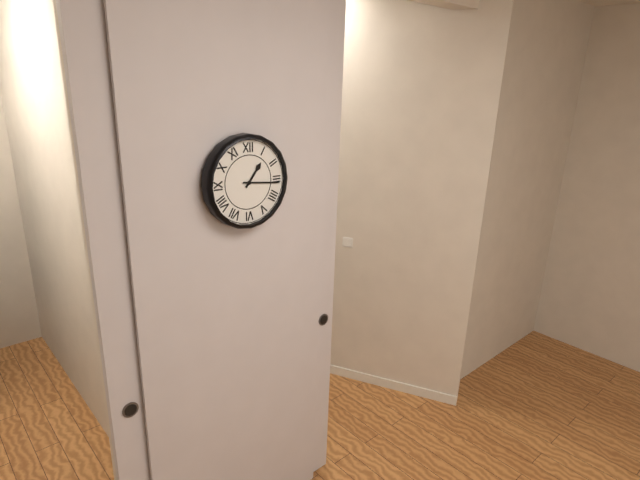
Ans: 1:16
